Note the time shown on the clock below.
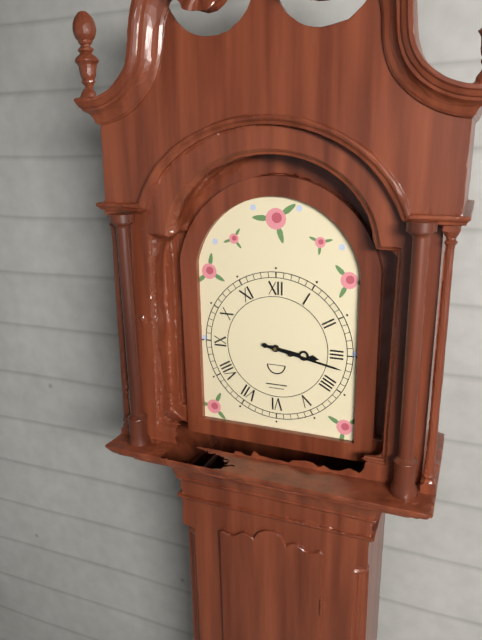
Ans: 3:17
